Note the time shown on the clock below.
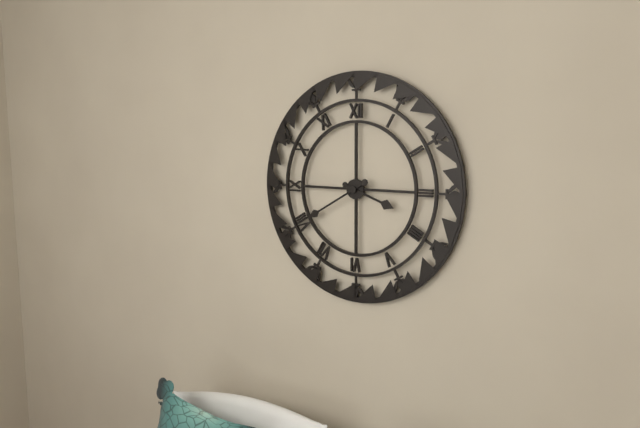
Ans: 3:40
